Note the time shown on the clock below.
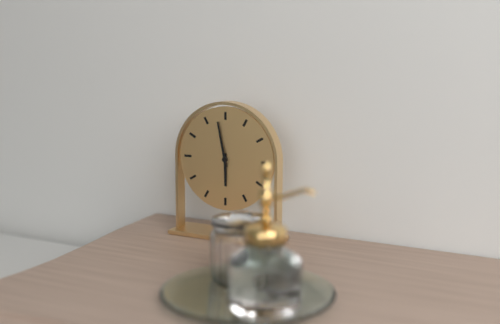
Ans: 5:58
